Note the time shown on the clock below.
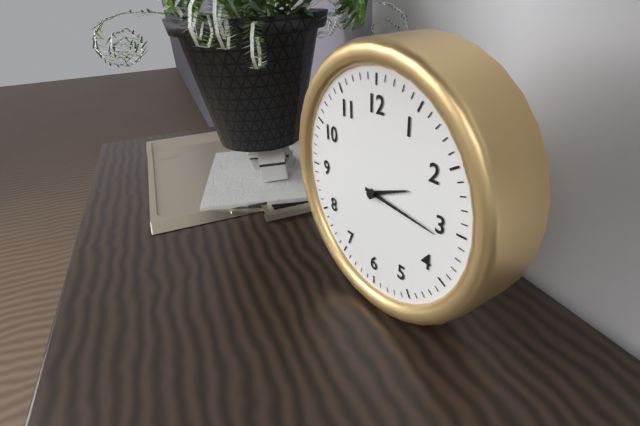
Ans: 2:16
